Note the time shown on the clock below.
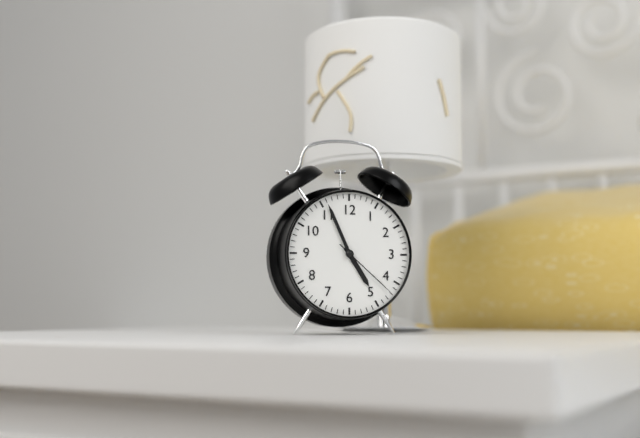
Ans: 4:56:22
